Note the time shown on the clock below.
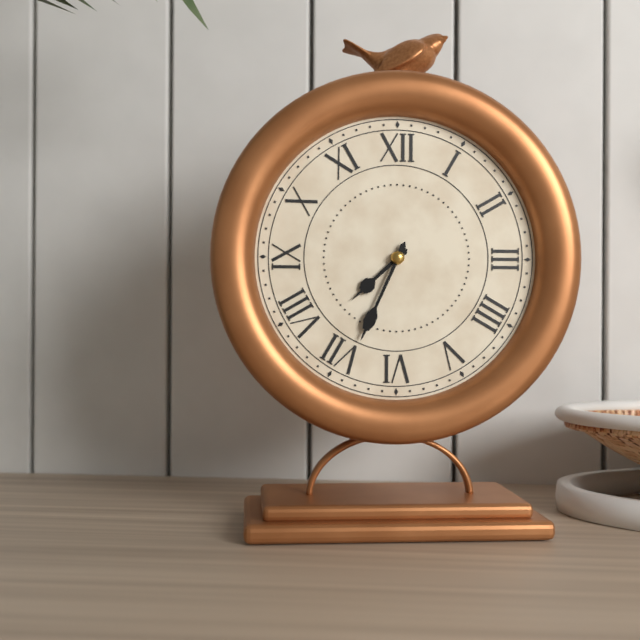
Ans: 7:34
